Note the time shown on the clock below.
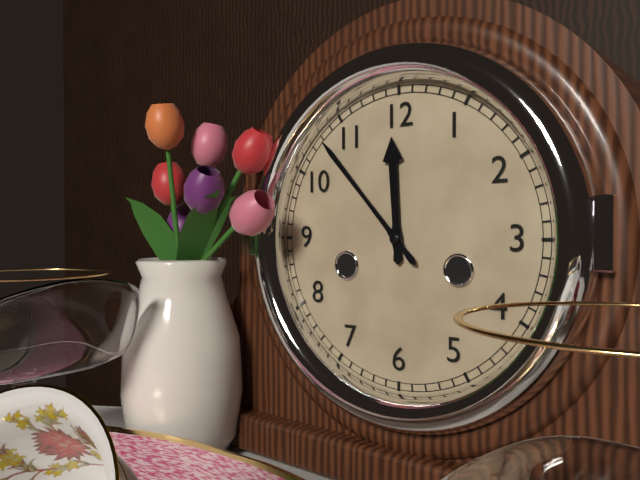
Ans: 11:53
